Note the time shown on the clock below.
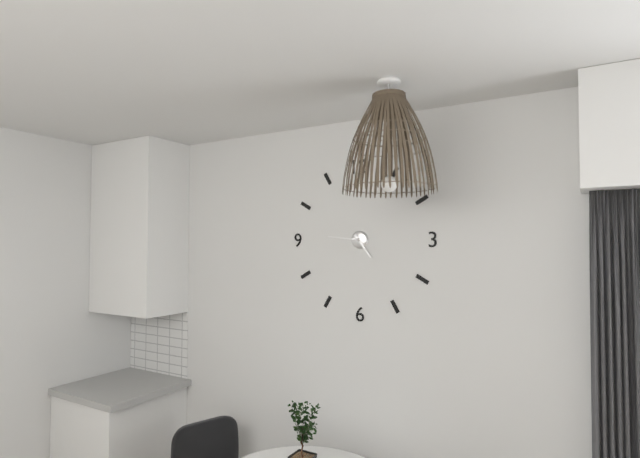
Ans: 4:46
